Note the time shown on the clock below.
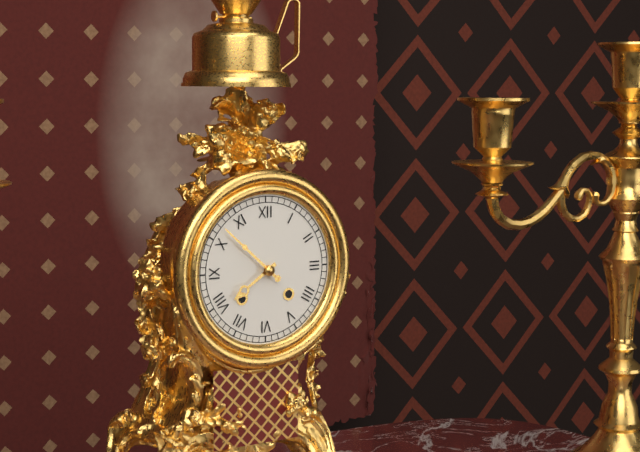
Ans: 7:52
